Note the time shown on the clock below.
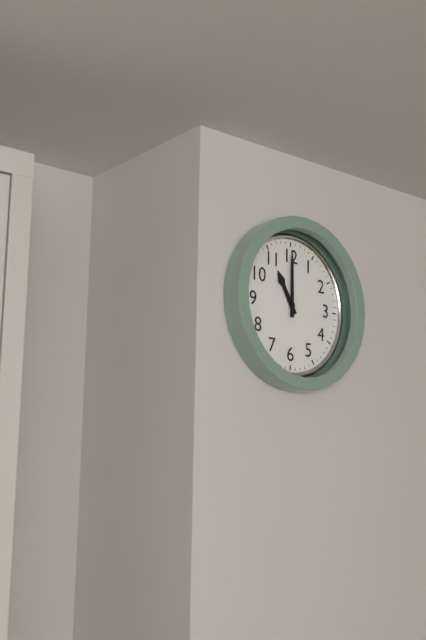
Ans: 11:00
